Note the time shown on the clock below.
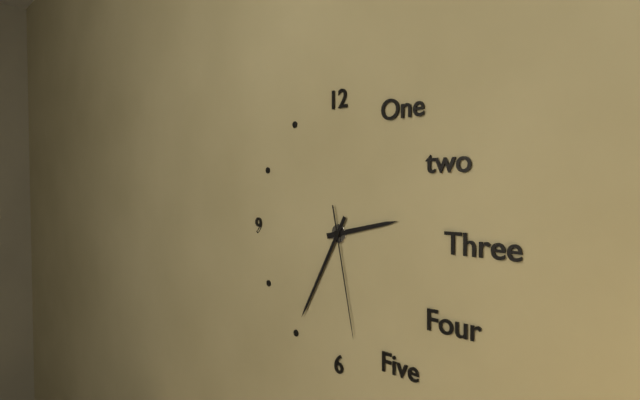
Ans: 2:35:28
